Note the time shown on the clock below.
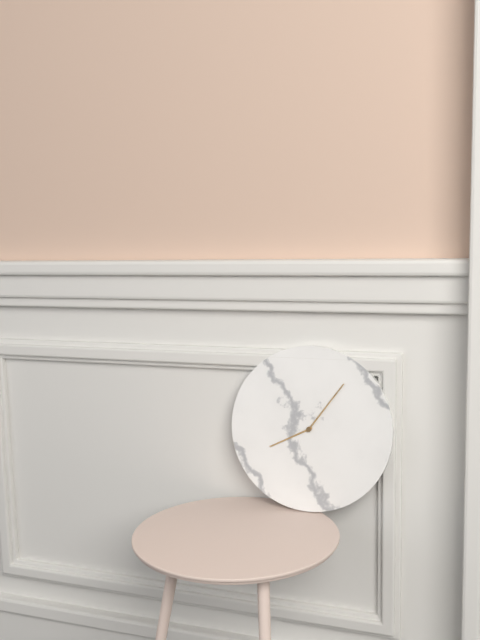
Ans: 8:06
